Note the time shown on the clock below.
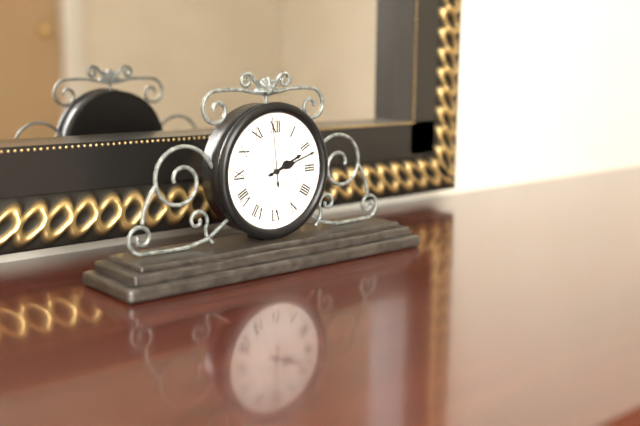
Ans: 2:12:59
